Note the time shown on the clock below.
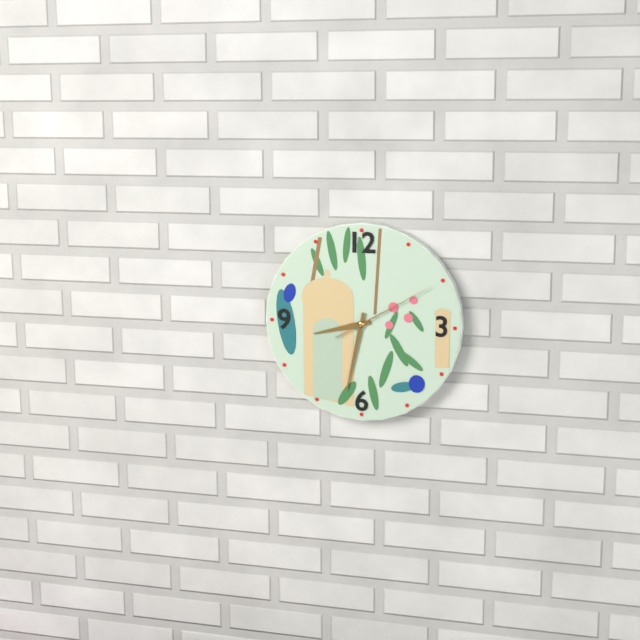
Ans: 8:32:10
